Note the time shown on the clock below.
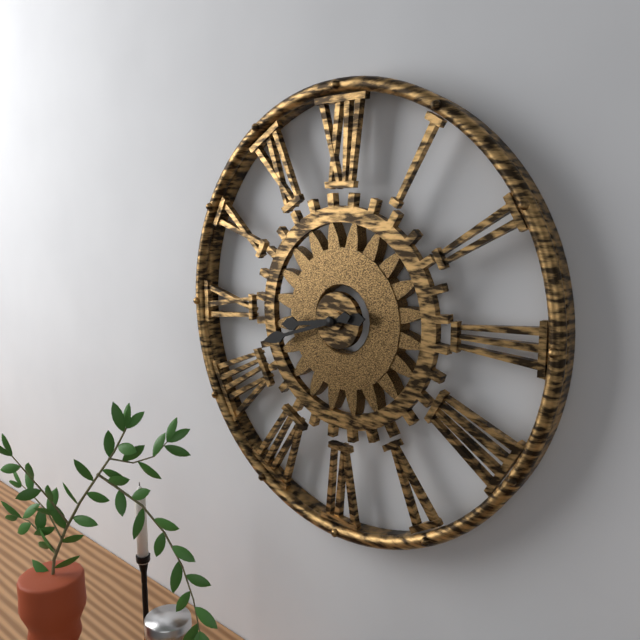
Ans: 8:42
